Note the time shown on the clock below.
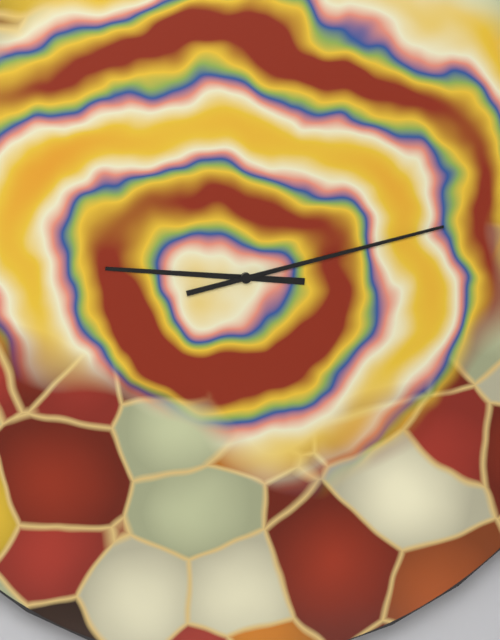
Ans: 9:13
